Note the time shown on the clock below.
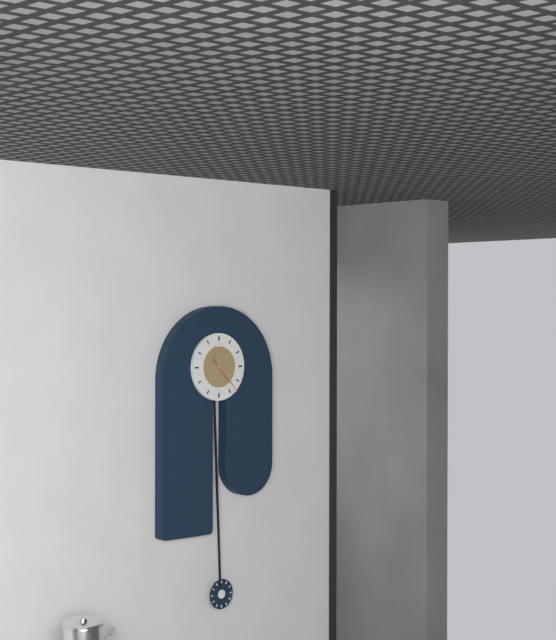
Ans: 11:23
